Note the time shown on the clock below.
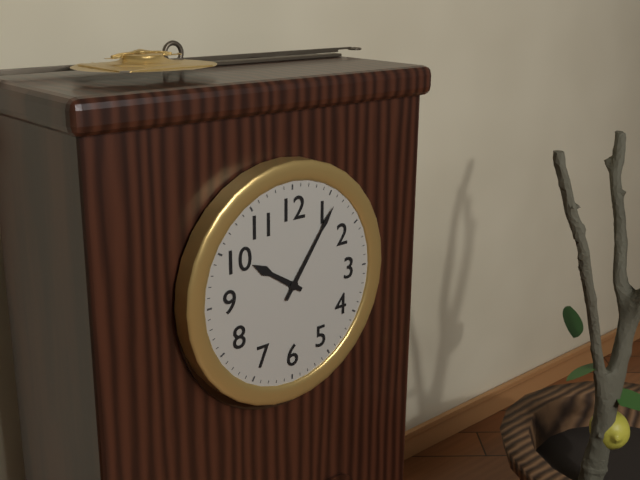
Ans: 10:06
